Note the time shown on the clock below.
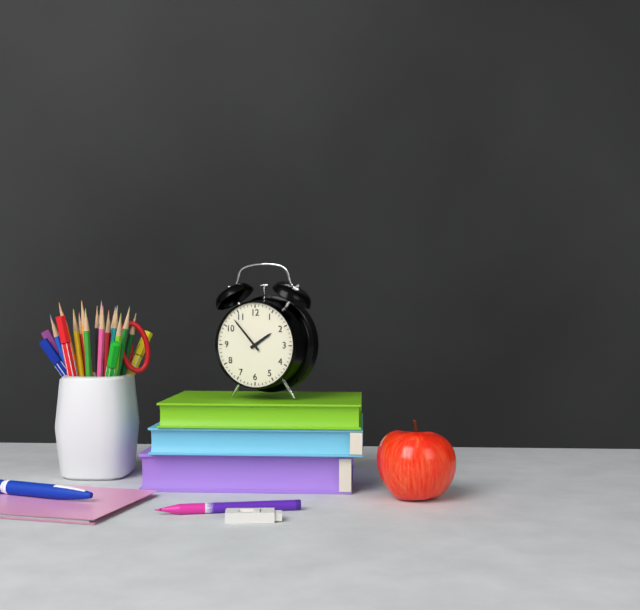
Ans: 1:53
